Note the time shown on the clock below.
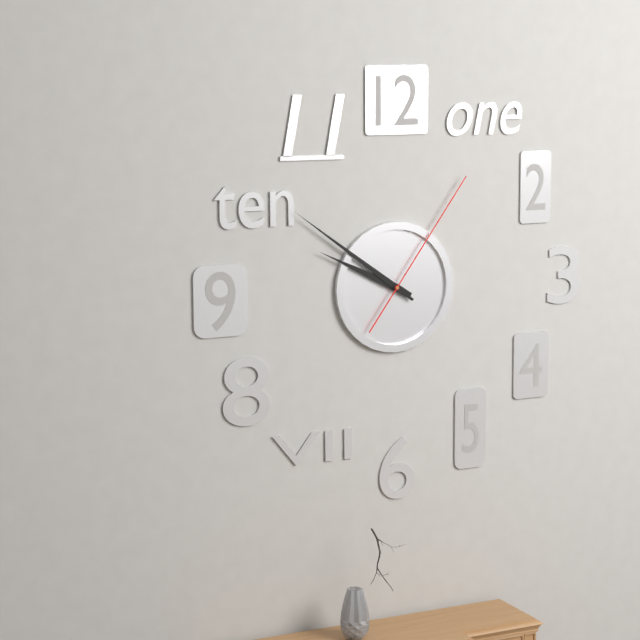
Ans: 9:51:06
